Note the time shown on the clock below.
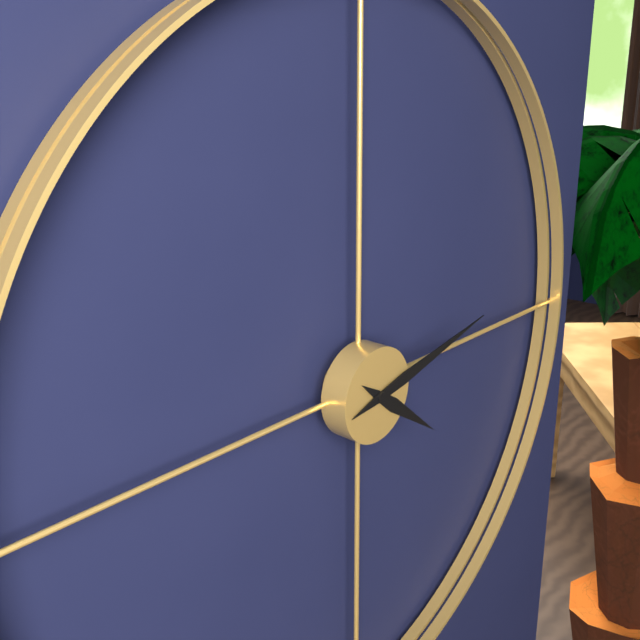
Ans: 4:13
